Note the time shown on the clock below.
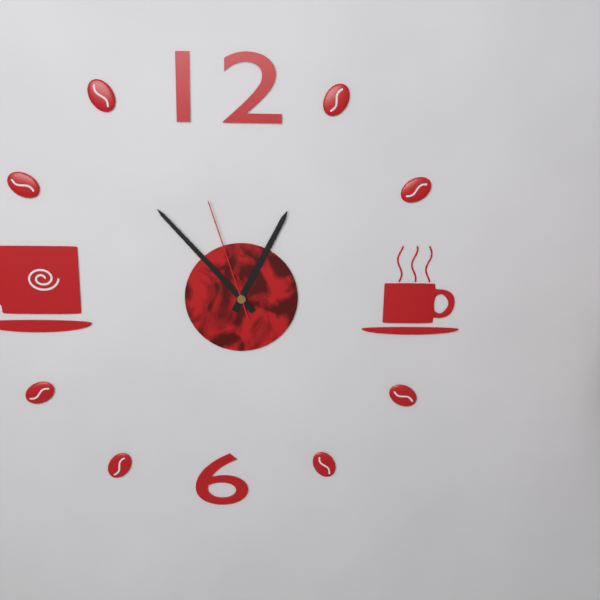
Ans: 12:53:57
